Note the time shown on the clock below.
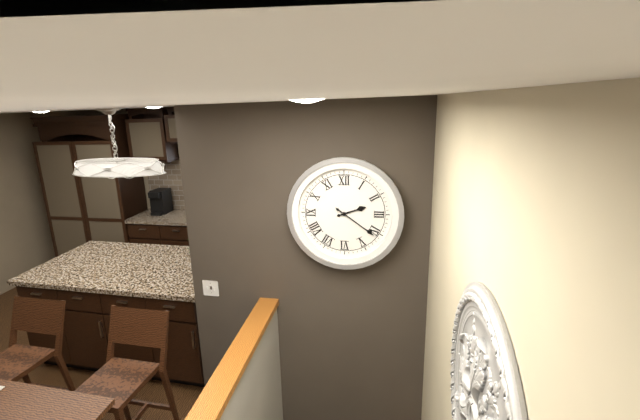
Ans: 2:21
